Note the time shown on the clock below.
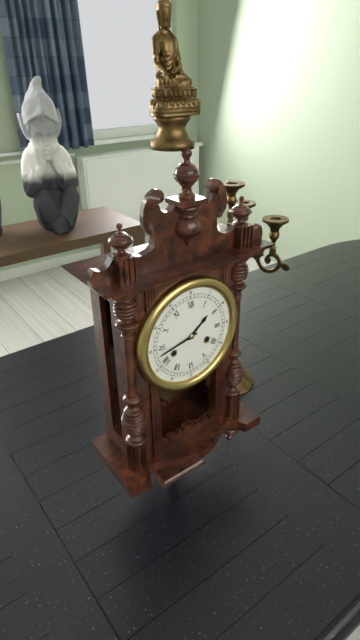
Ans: 1:43
